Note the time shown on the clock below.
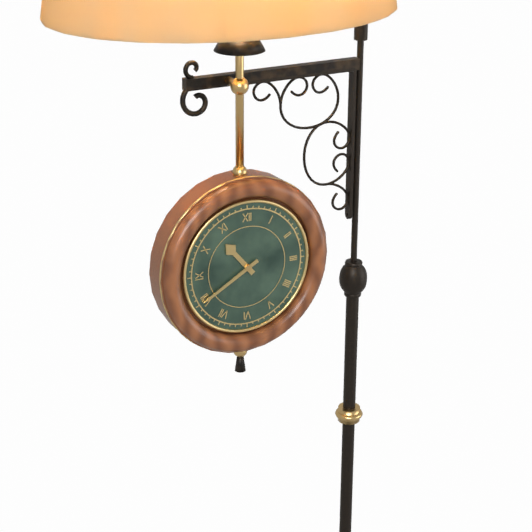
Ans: 10:40
